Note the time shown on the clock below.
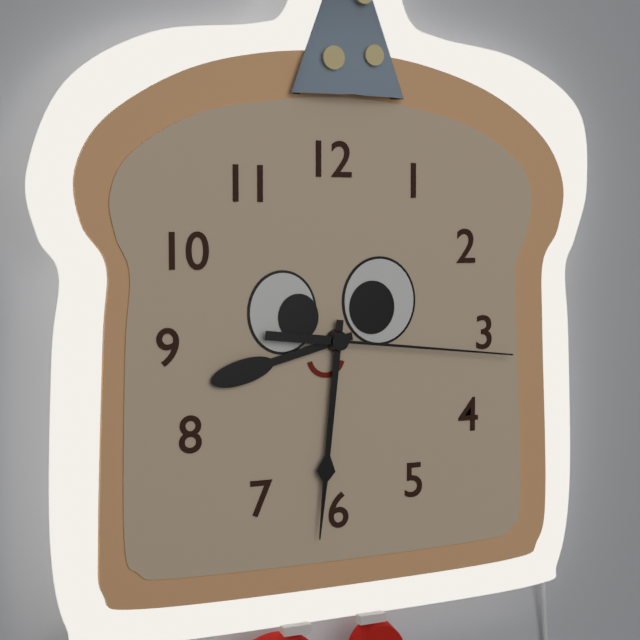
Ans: 8:31:16
